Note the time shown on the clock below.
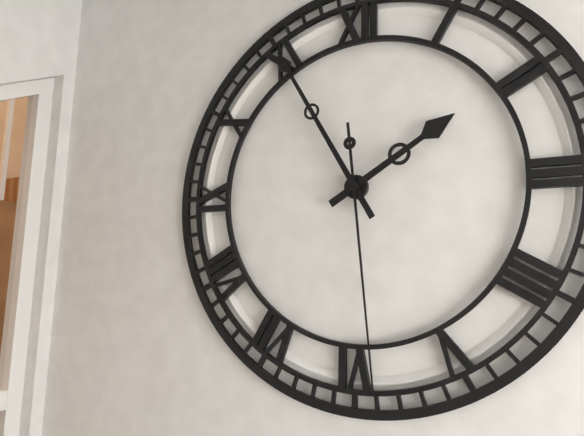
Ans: 1:55:29
